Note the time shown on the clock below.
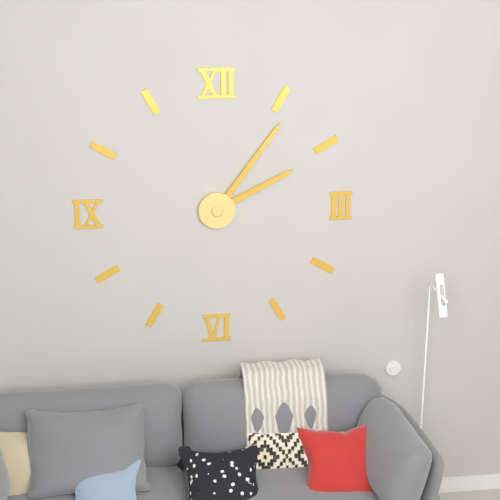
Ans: 2:06
